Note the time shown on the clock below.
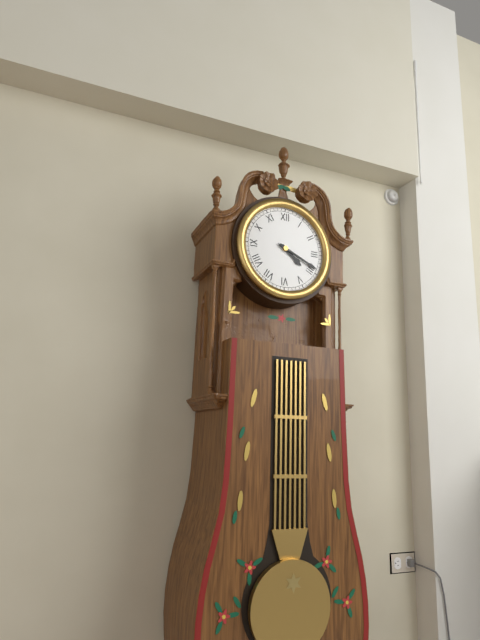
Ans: 4:19
